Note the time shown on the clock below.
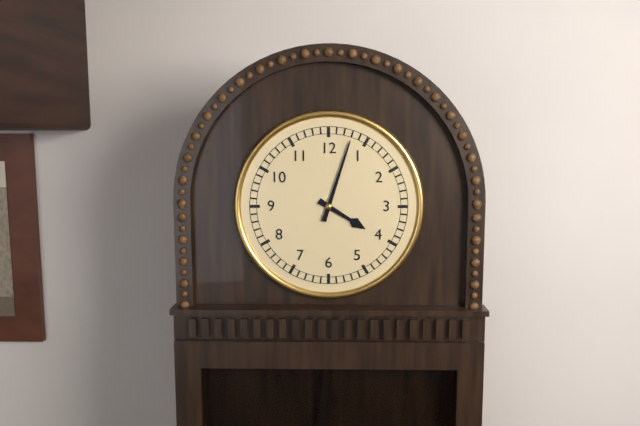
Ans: 4:03
